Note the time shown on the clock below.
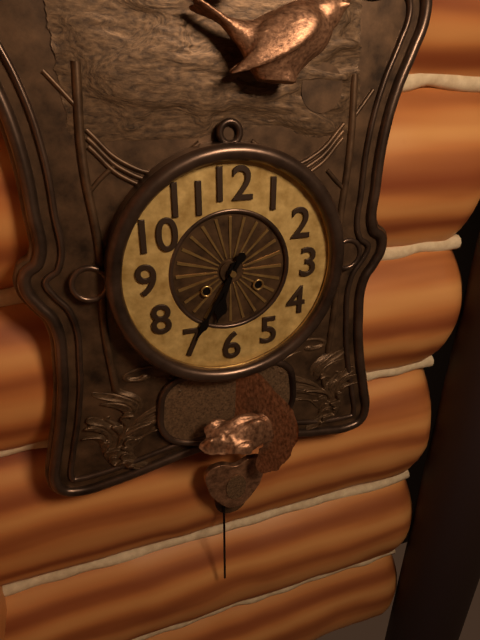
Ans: 6:35
